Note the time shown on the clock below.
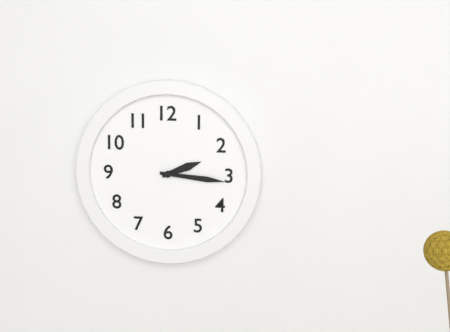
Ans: 2:16
